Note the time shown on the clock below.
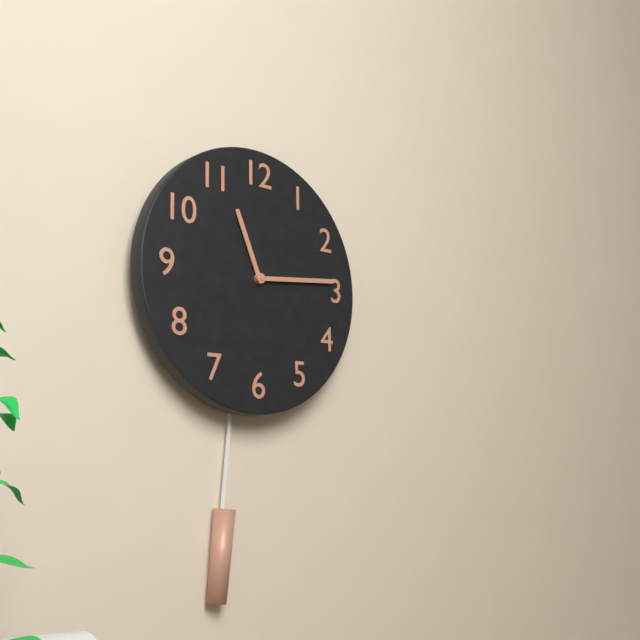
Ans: 11:14
